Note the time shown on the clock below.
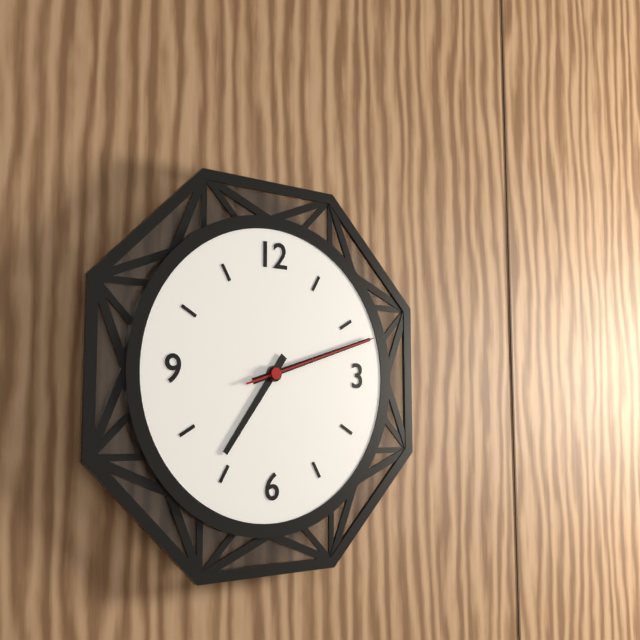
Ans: 7:12:12
